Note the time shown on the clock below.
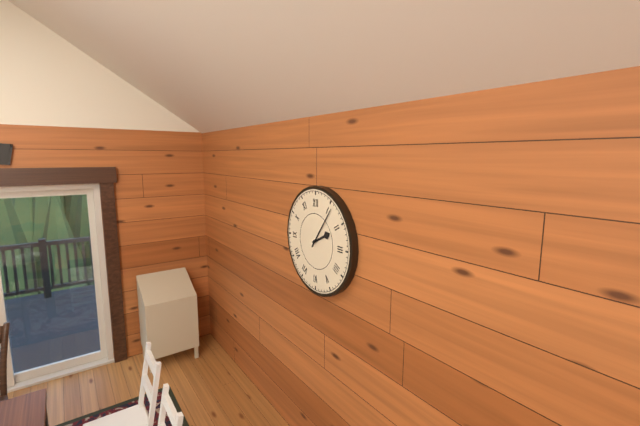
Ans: 2:06
